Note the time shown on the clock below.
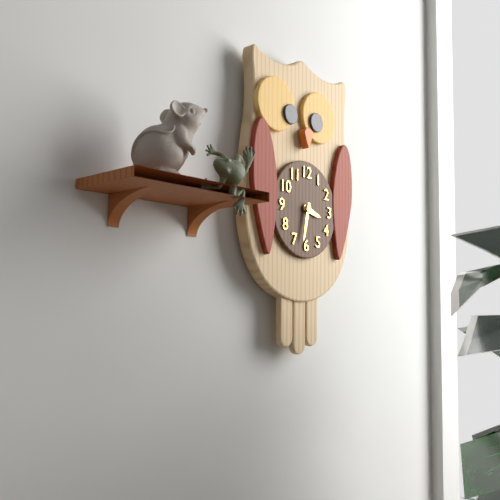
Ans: 3:32
